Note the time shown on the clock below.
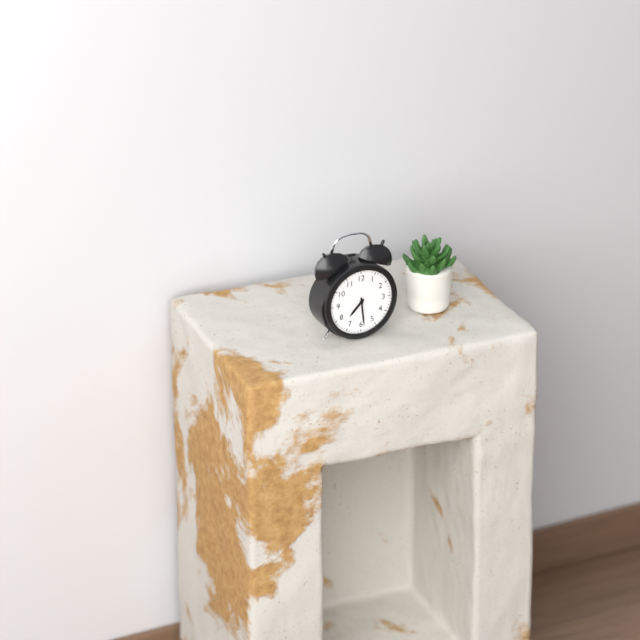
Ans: 7:29
